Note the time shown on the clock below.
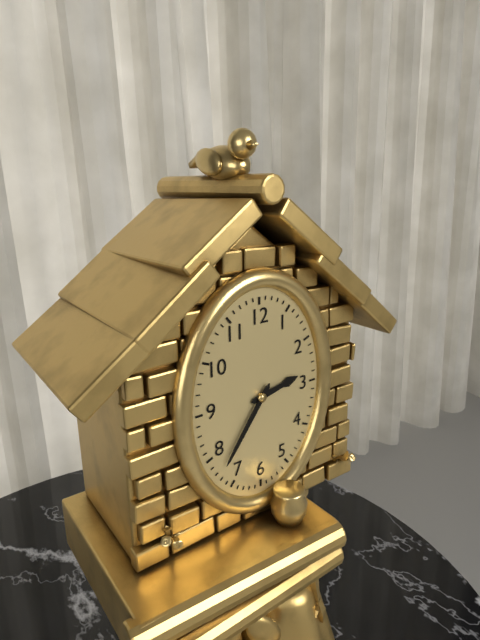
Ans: 2:36
